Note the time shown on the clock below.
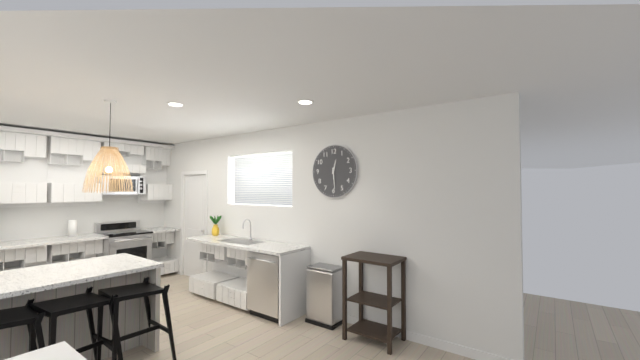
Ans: 12:29
